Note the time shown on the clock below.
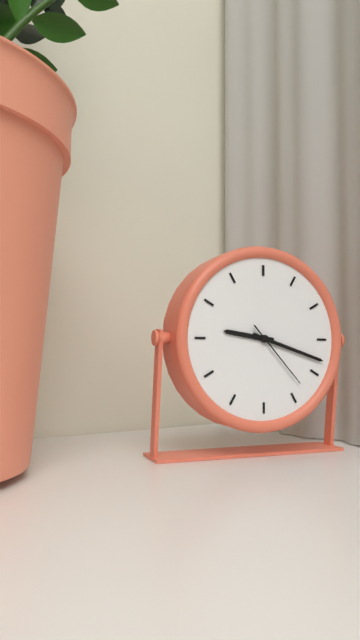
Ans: 9:18:23
